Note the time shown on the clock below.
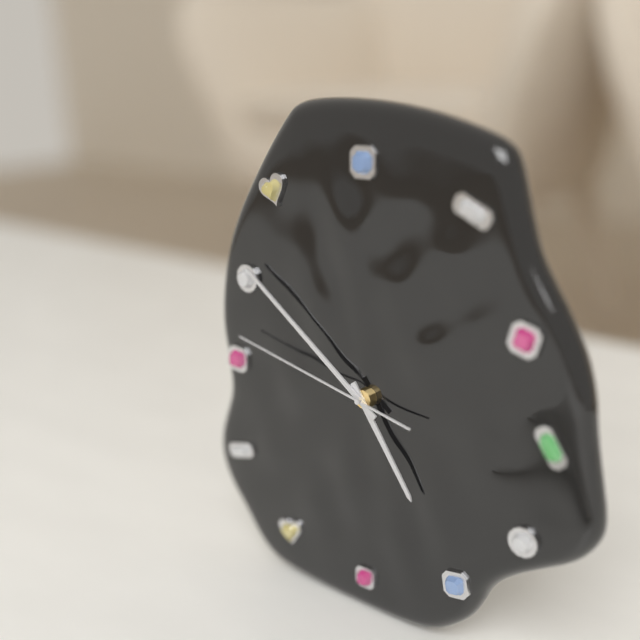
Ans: 4:51:47
